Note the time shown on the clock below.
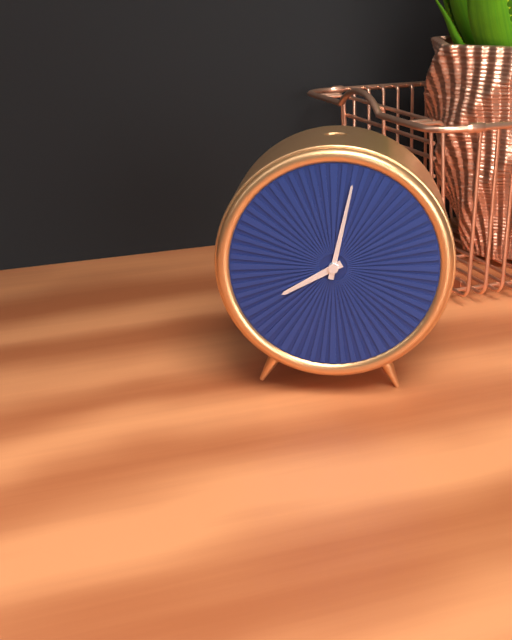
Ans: 8:02
